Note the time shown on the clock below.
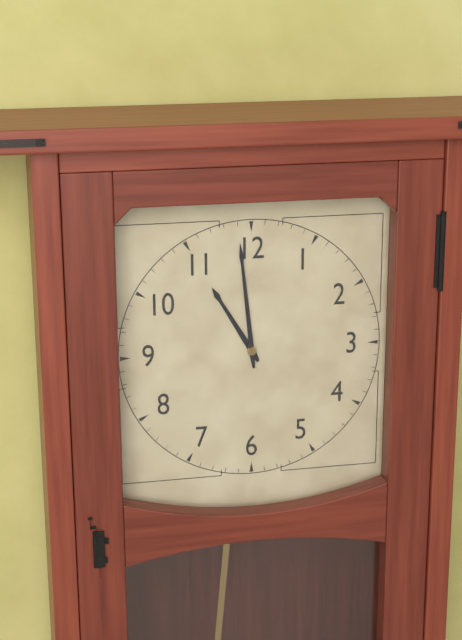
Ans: 10:59
